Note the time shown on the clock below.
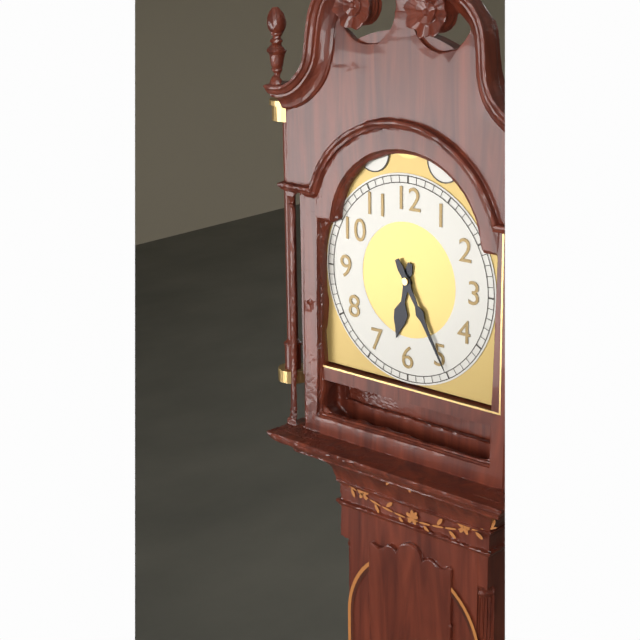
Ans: 6:25
